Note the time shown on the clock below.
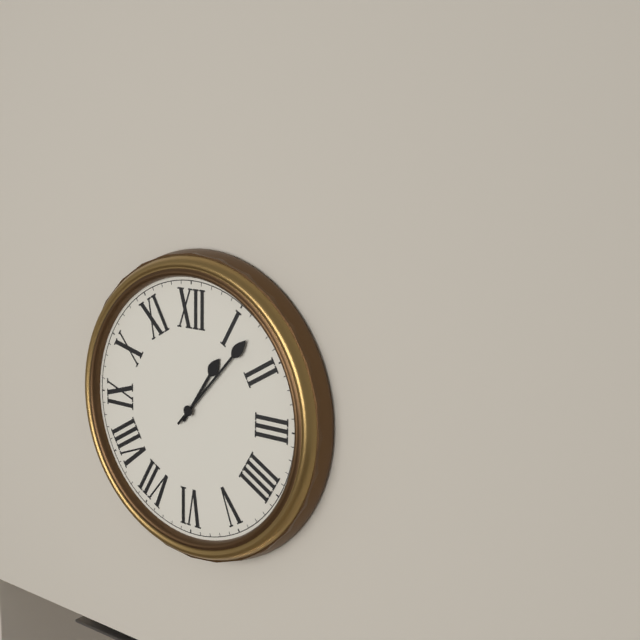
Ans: 1:07
